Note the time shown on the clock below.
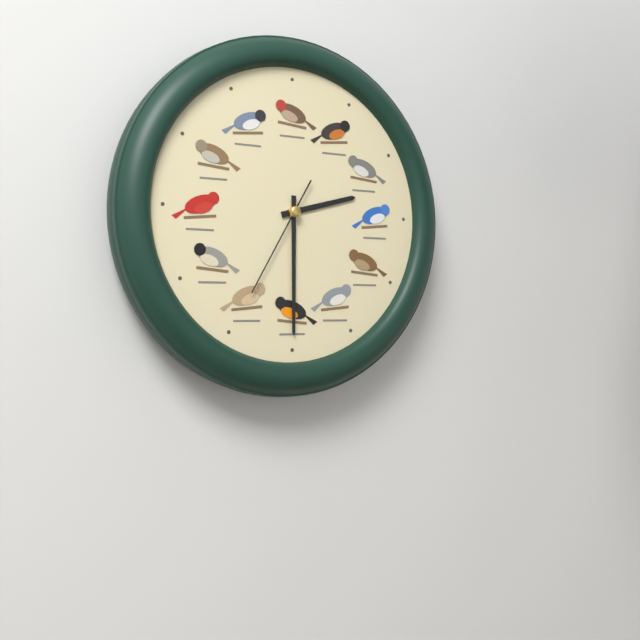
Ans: 2:30:35
